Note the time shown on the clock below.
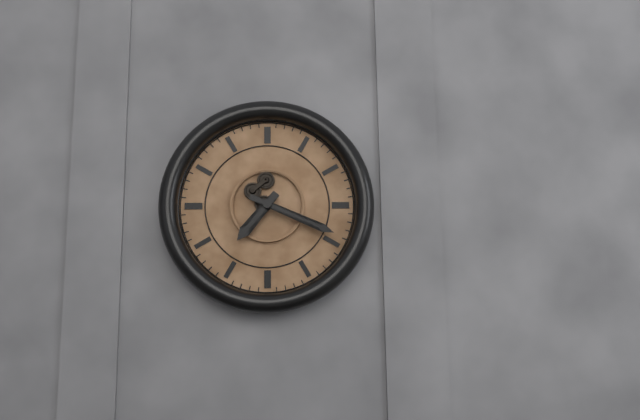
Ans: 7:19
